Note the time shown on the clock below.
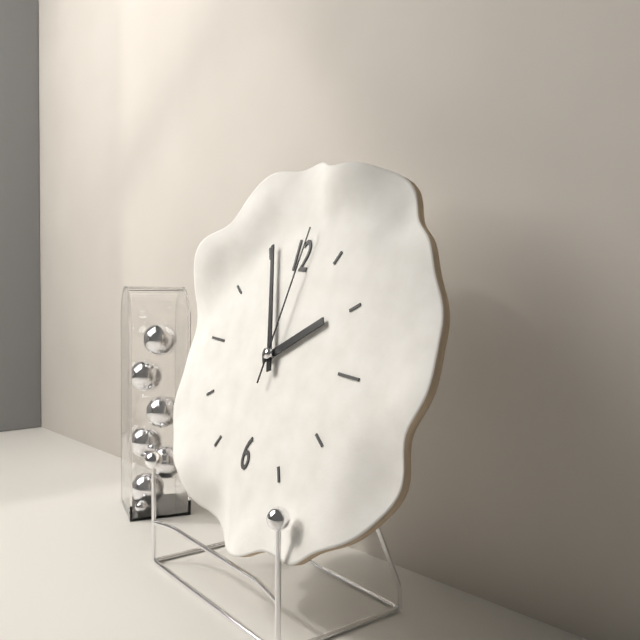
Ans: 1:56:01
